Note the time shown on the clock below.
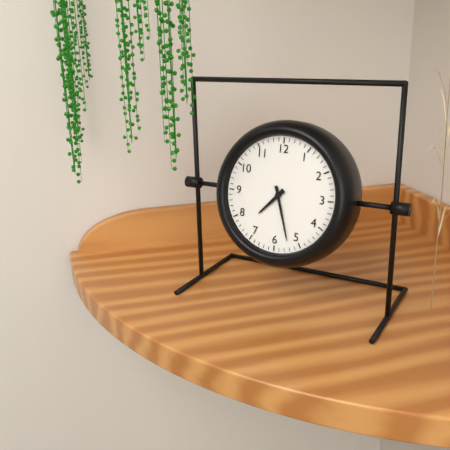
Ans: 7:27
